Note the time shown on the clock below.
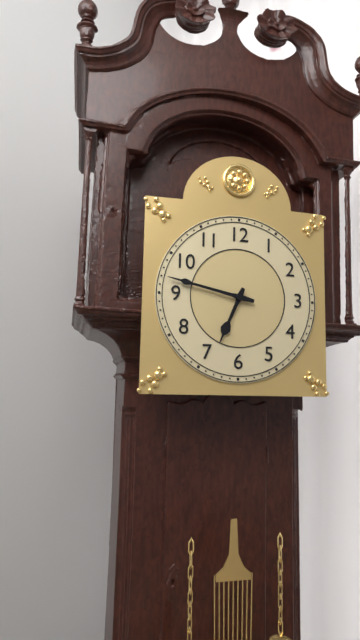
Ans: 6:47
